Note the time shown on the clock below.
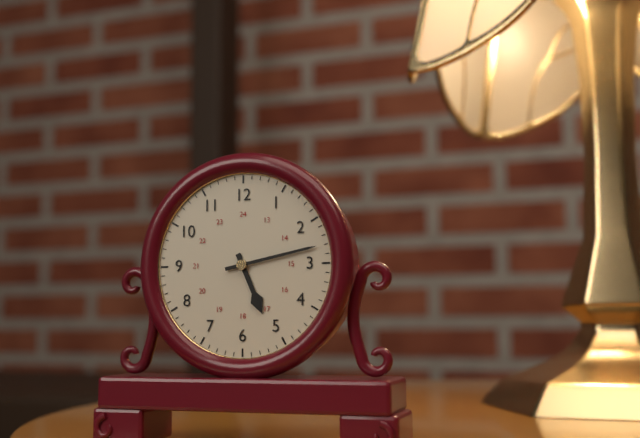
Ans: 5:13
